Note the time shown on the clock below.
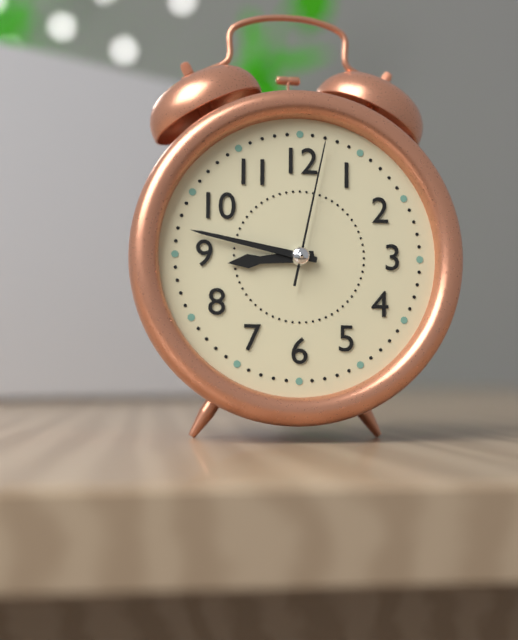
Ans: 8:47:02
